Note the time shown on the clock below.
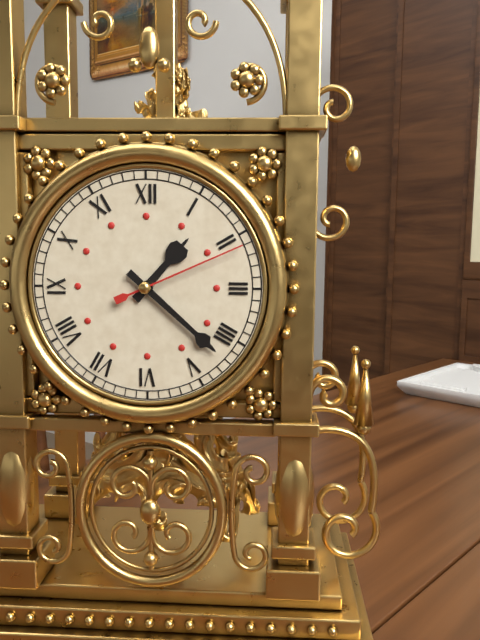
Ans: 1:22:11
